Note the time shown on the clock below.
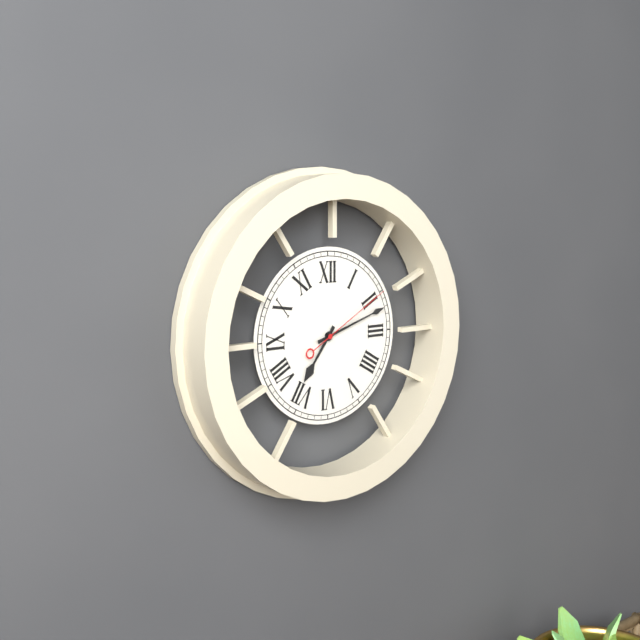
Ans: 7:12:10
